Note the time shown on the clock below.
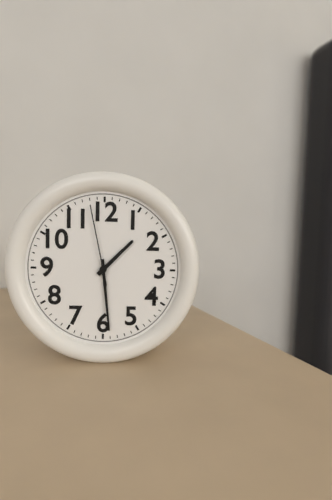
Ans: 1:29:58
